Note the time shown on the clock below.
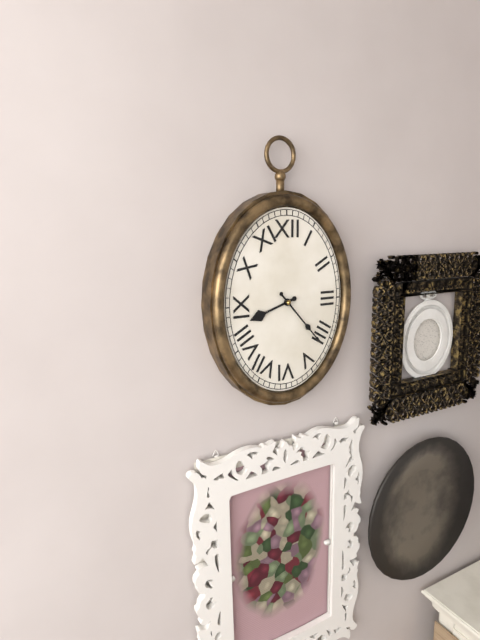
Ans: 8:23
